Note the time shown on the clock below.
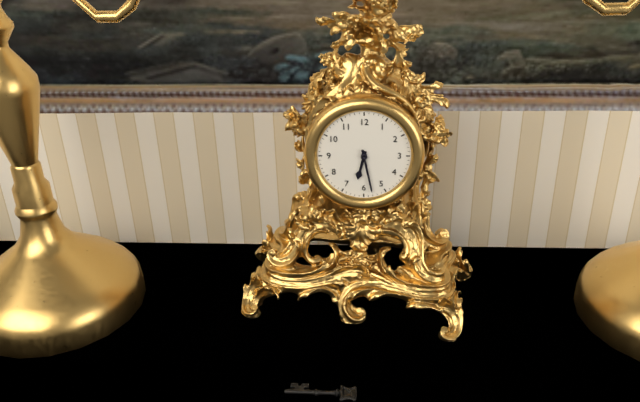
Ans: 6:28
